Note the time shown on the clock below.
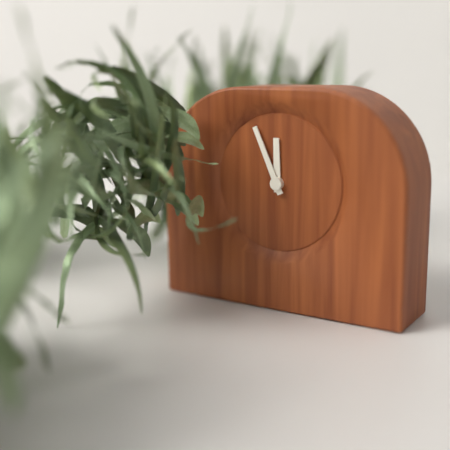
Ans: 11:56
